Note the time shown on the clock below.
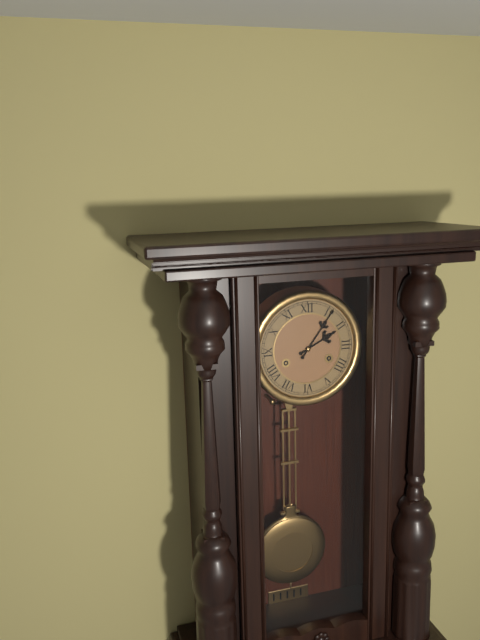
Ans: 2:06
